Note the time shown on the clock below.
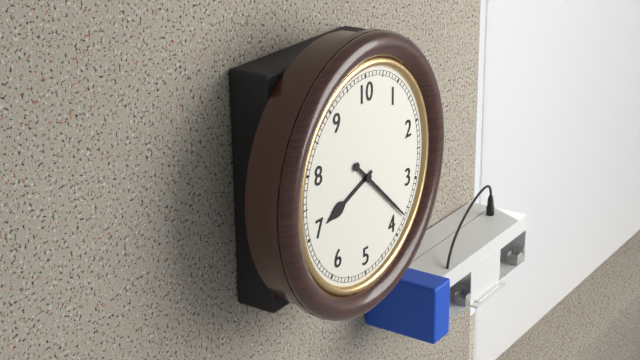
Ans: 8:22
